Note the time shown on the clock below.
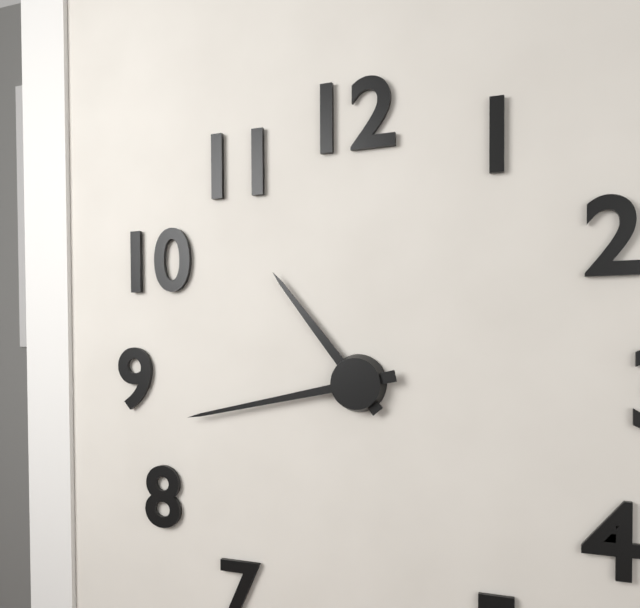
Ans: 10:43
